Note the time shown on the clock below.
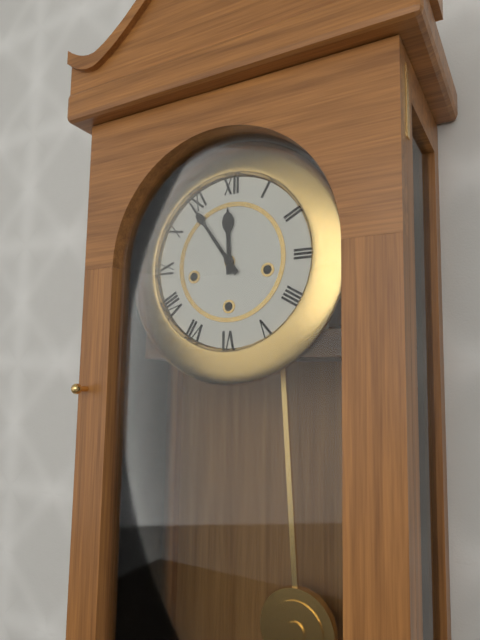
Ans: 11:54
